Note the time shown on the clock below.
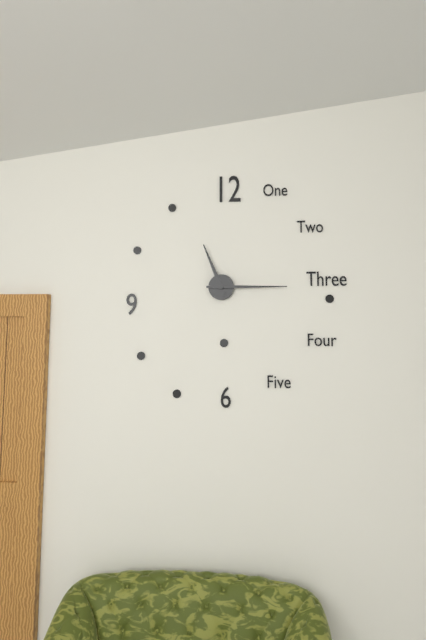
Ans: 11:15
